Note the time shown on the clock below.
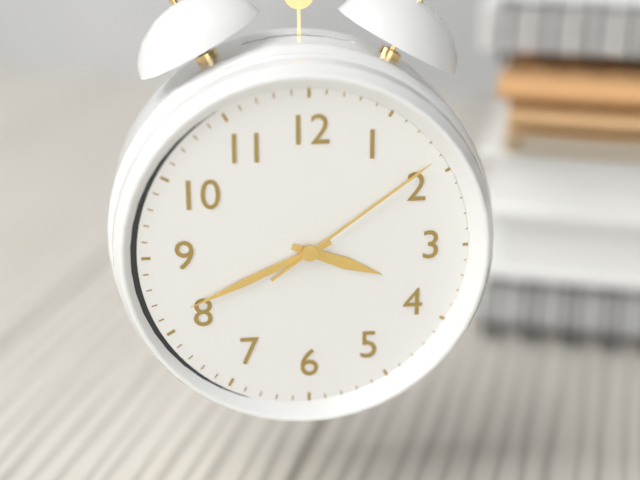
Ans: 3:41:09
